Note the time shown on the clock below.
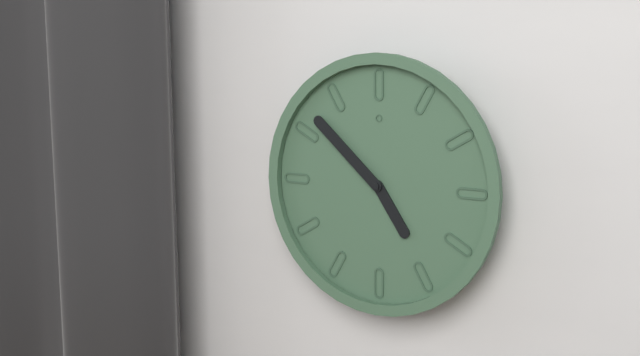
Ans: 4:52
